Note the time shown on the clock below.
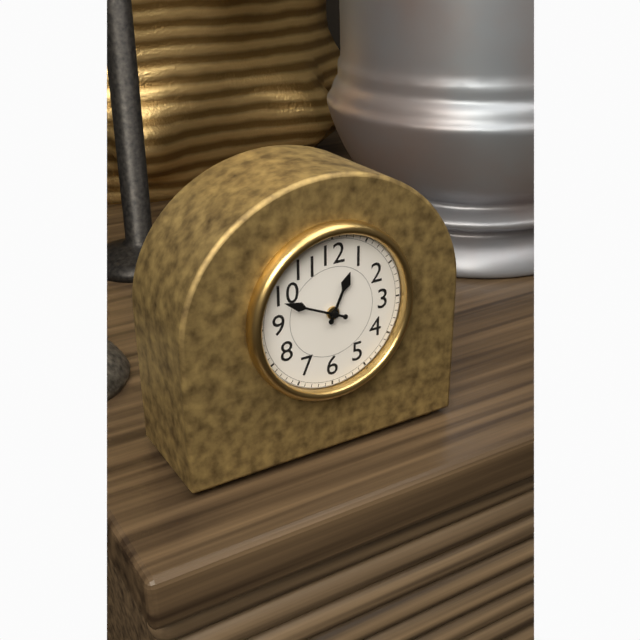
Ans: 12:49
